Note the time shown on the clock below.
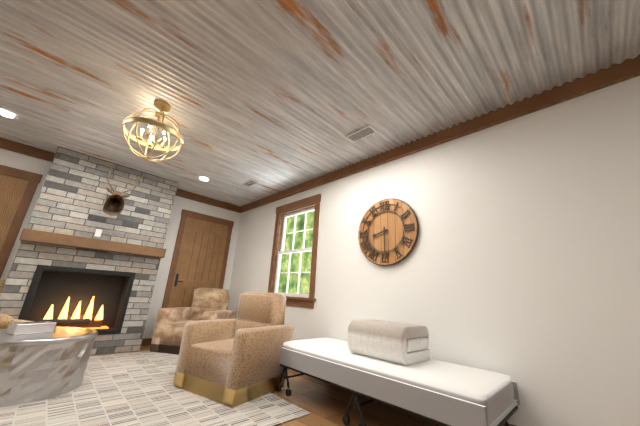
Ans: 8:30
